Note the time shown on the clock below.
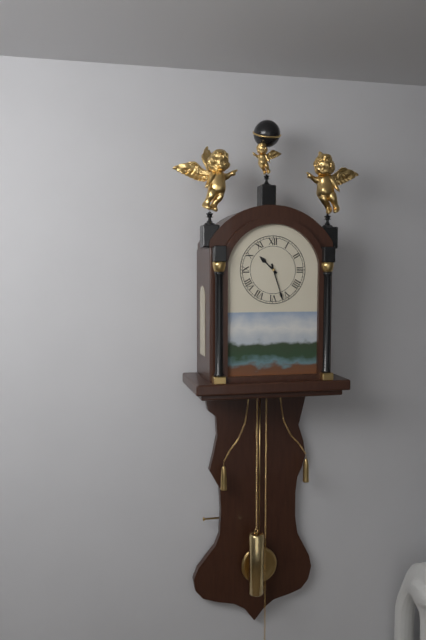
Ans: 10:27
